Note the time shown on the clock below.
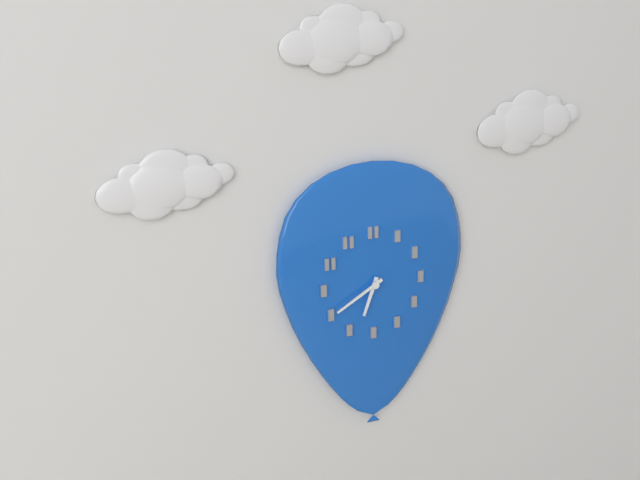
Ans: 6:40
